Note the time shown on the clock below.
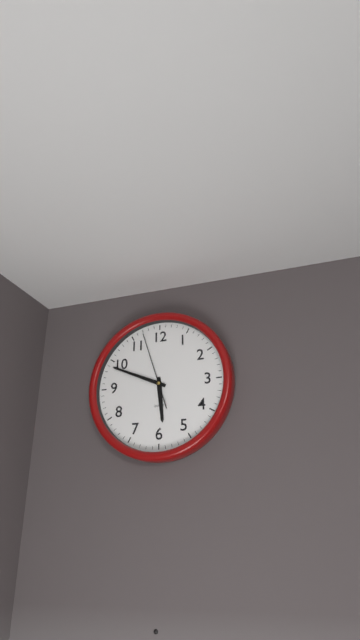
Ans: 5:49:57
